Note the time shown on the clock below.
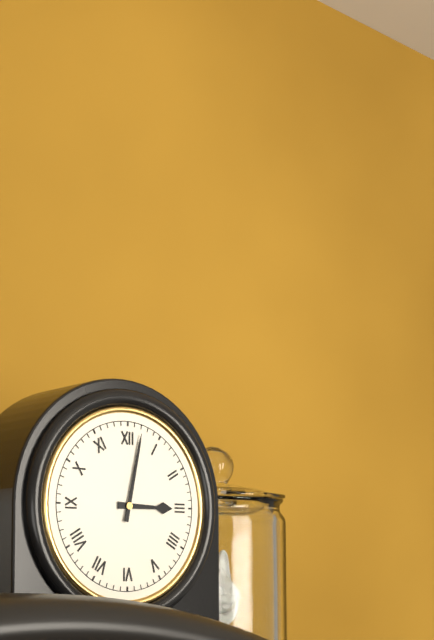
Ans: 3:02
